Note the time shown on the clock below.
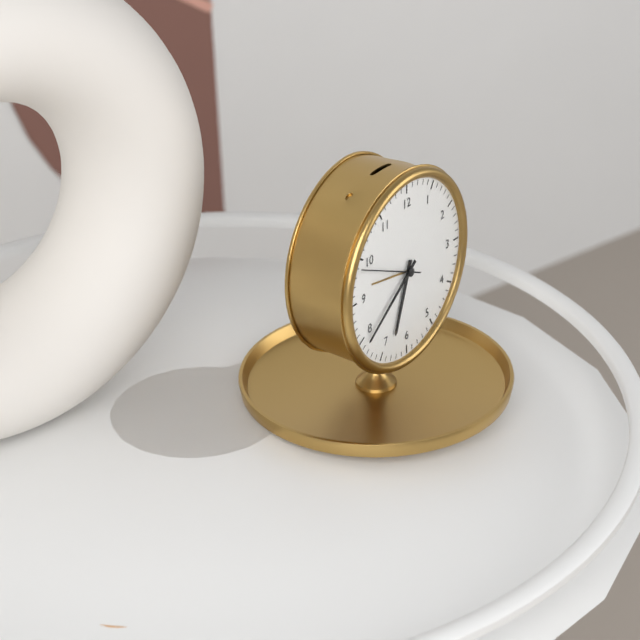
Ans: 6:39:49
